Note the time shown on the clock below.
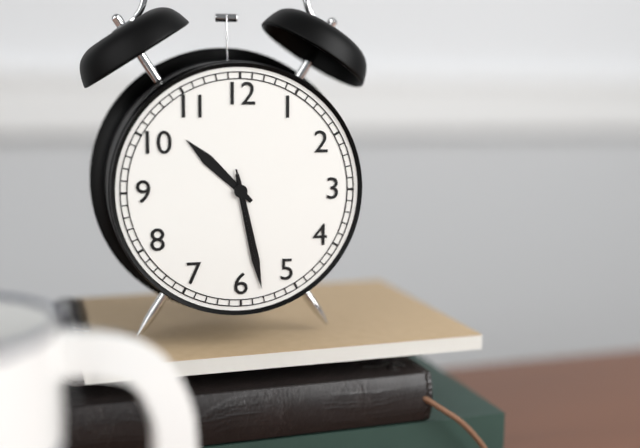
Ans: 10:28:28
